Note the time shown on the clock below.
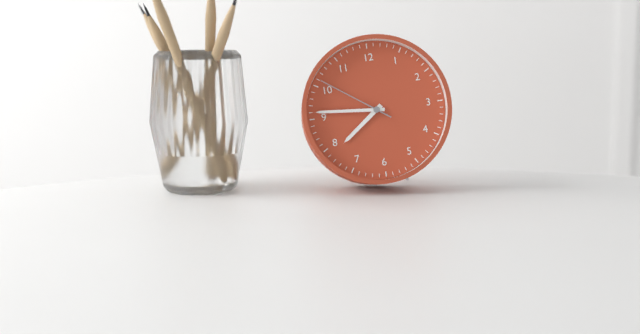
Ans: 7:46:51
